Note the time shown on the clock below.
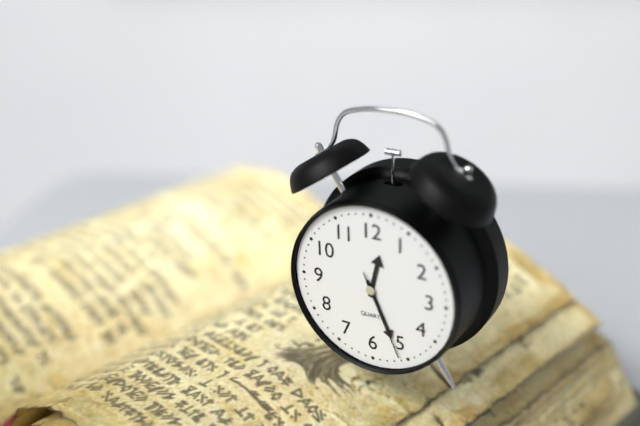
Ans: 12:26:26
